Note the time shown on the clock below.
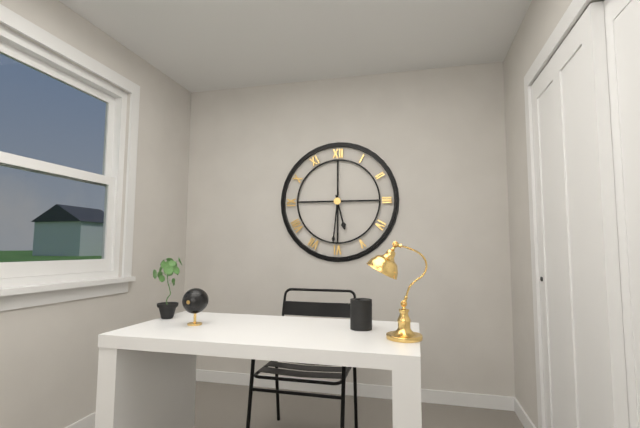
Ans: 5:31
